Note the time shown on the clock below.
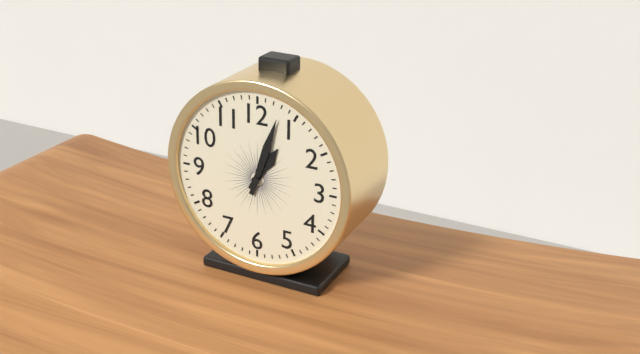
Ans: 1:03
